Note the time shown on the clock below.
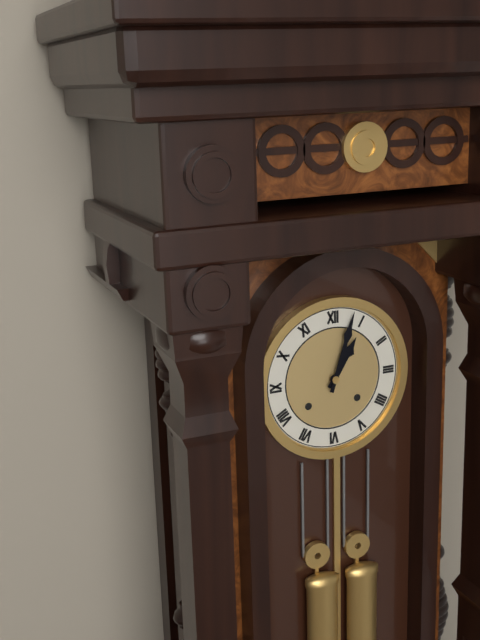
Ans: 1:03
